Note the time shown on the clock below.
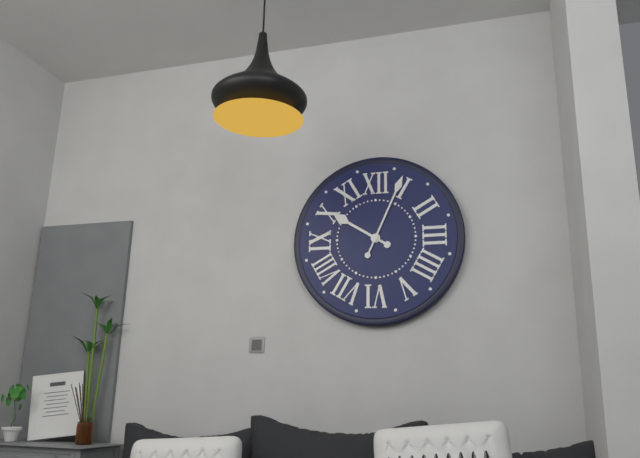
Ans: 10:04
